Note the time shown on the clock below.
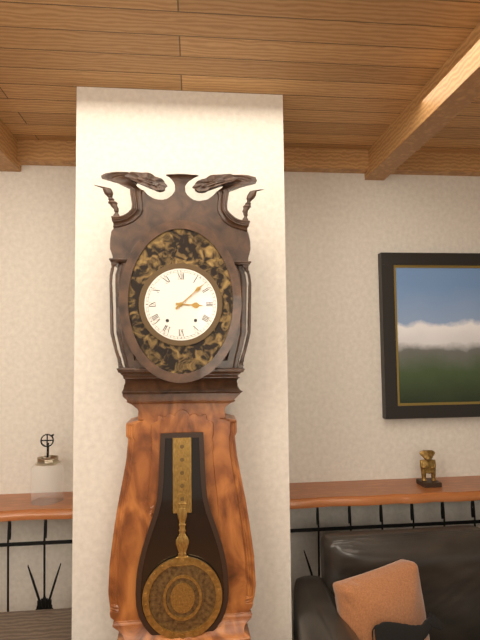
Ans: 3:08
